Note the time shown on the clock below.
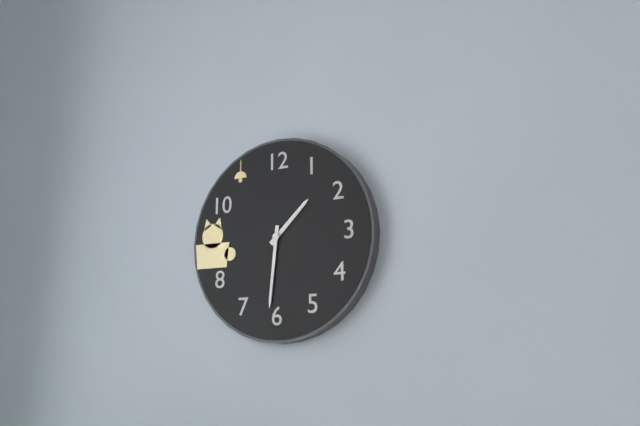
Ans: 1:31
